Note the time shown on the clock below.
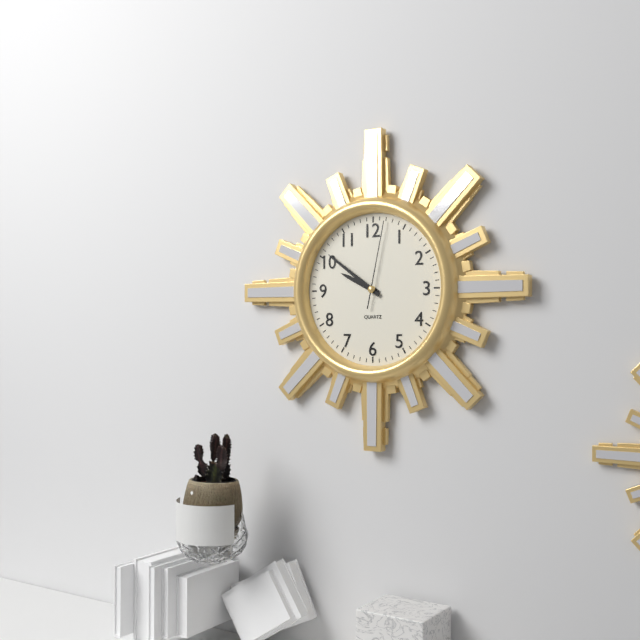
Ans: 9:51:02
